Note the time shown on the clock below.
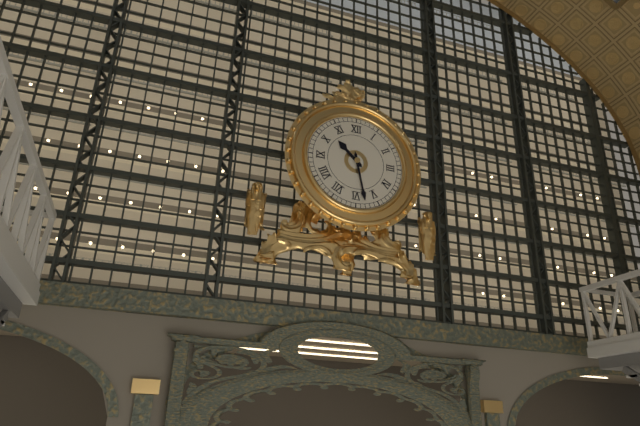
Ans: 10:28
